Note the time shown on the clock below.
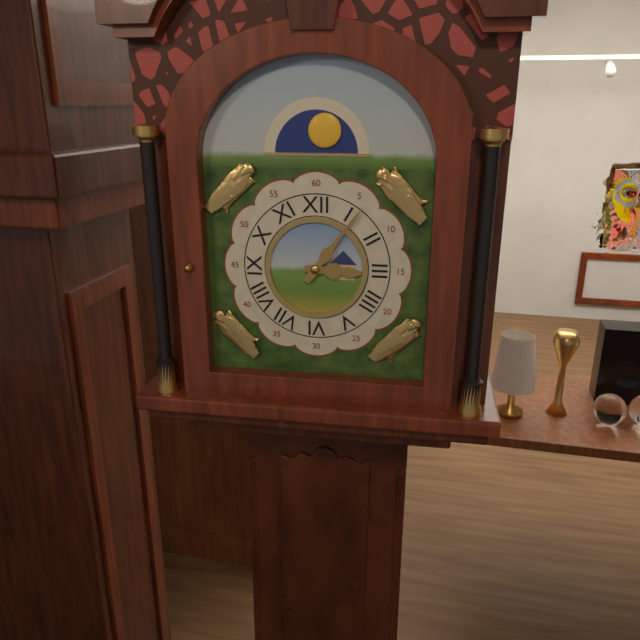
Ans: 3:06
